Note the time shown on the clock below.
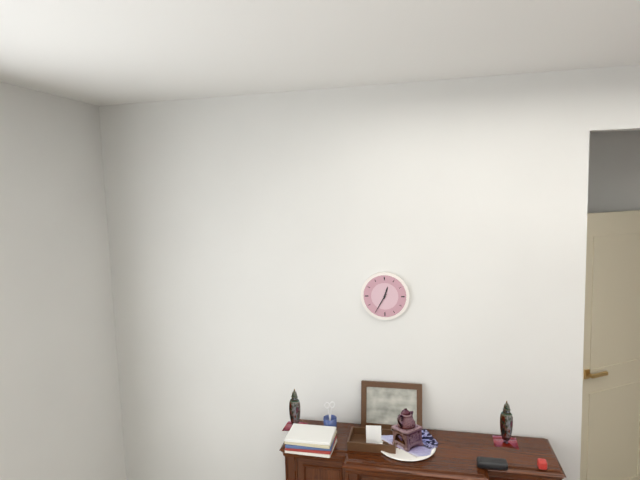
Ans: 12:35
